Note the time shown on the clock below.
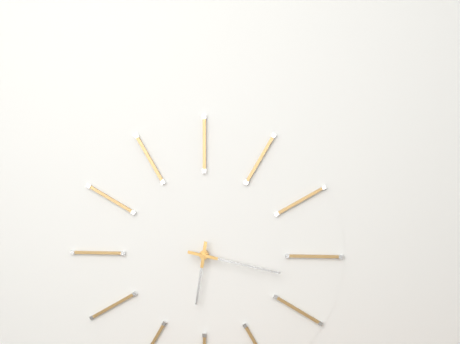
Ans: 6:17
